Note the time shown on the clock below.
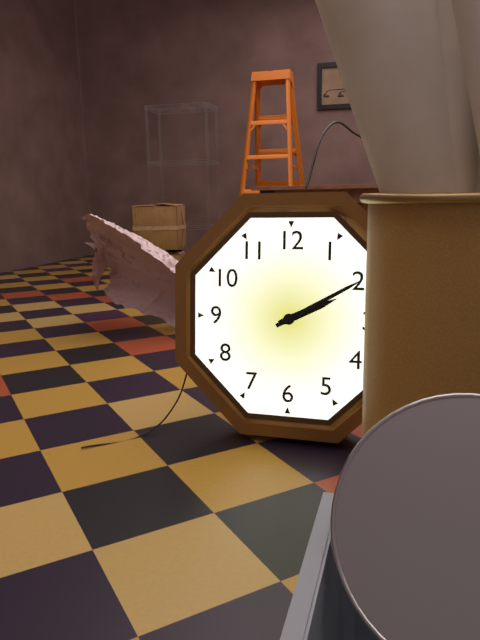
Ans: 2:10
